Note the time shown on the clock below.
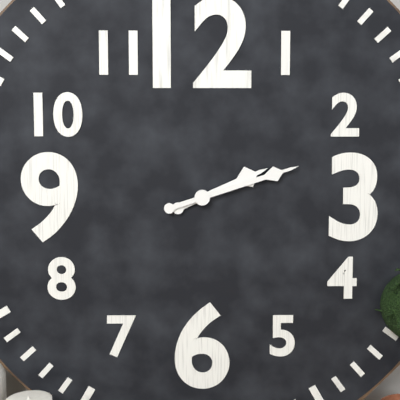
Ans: 2:12
